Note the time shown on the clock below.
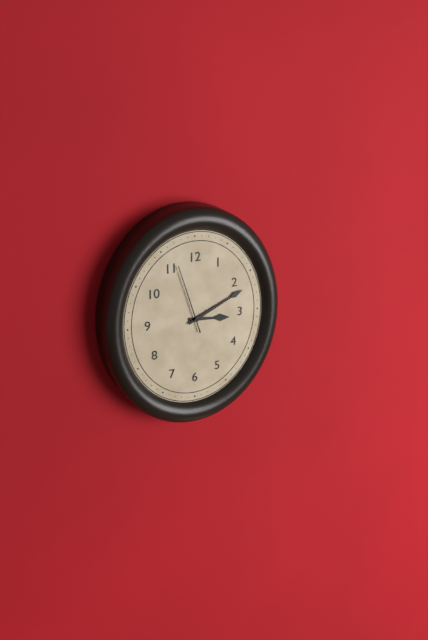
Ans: 3:11:57
